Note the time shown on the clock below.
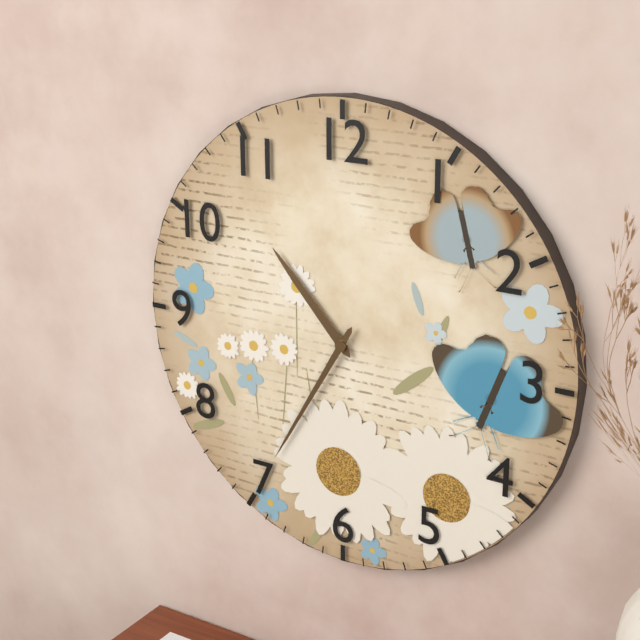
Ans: 10:35
